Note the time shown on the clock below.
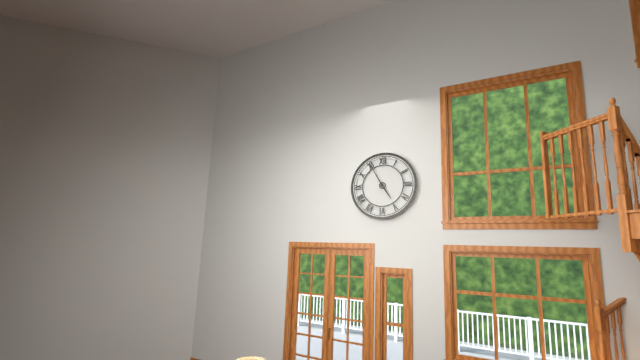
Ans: 4:55
